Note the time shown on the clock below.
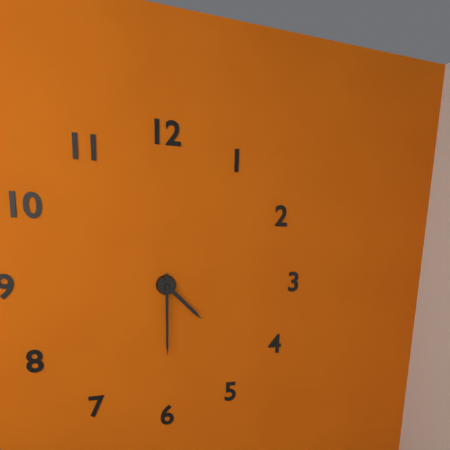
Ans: 4:30
